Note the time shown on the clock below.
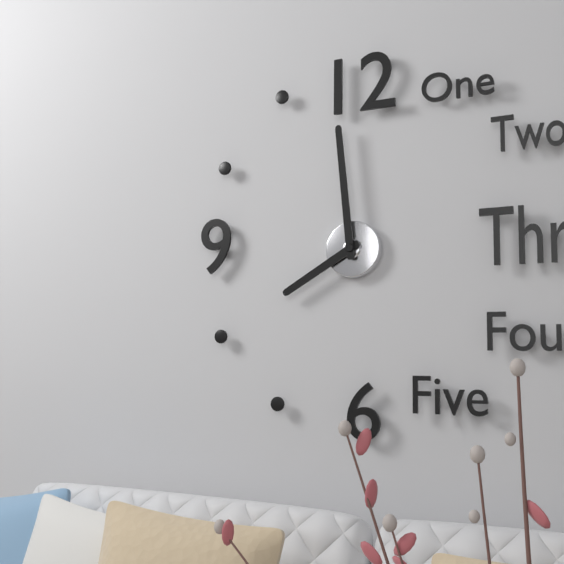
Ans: 7:59
